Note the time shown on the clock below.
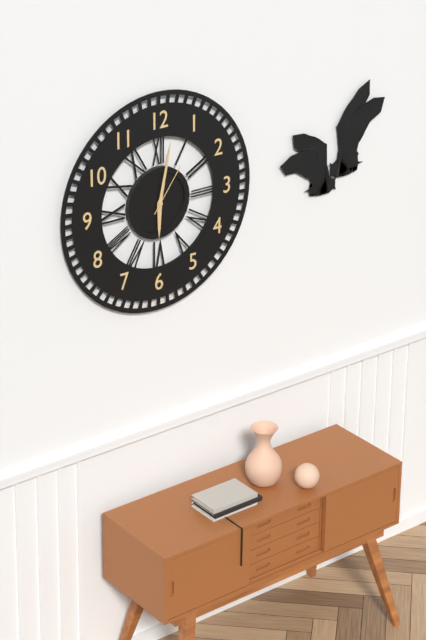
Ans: 6:02:06
